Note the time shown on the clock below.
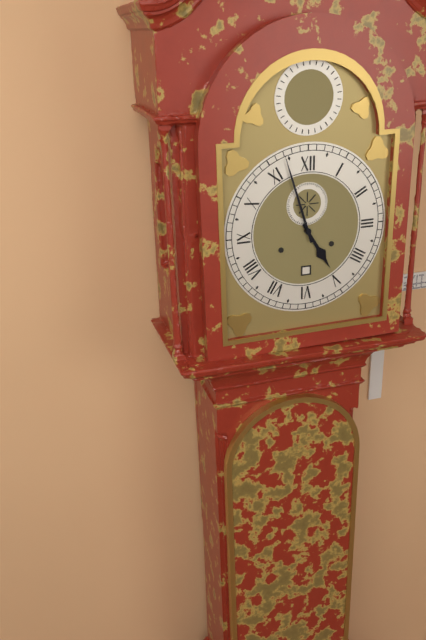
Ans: 4:57
